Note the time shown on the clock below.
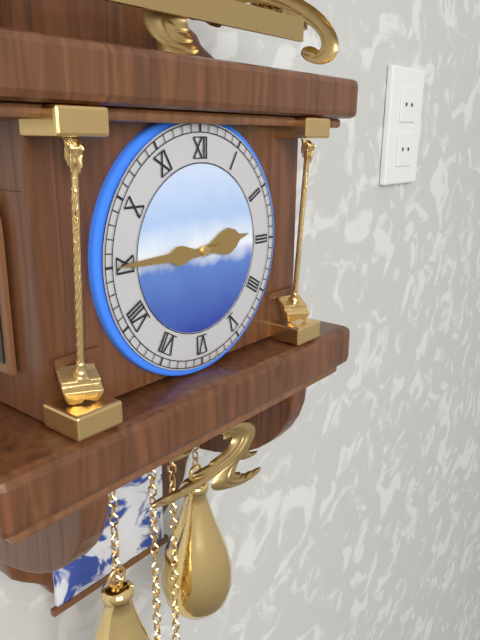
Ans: 2:45
